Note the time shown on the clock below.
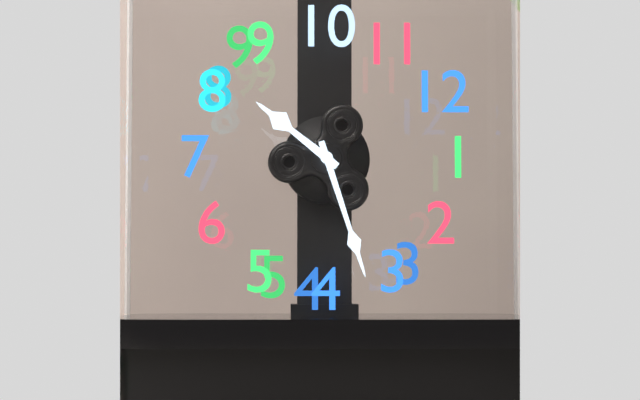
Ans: 8:17
